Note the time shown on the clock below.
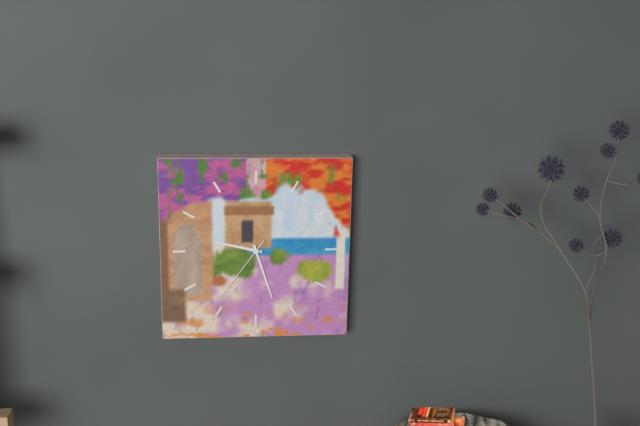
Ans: 9:27:36
